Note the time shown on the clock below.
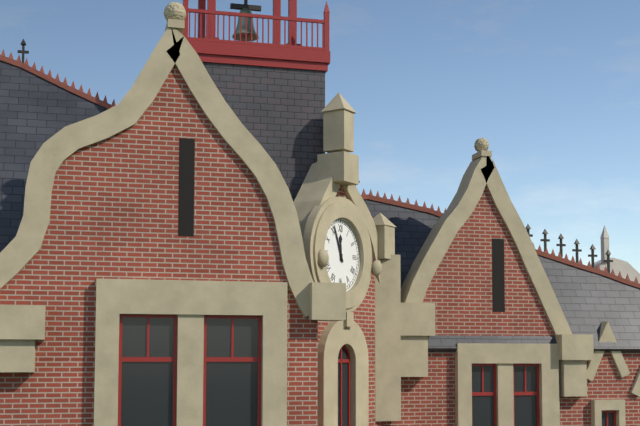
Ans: 11:56
